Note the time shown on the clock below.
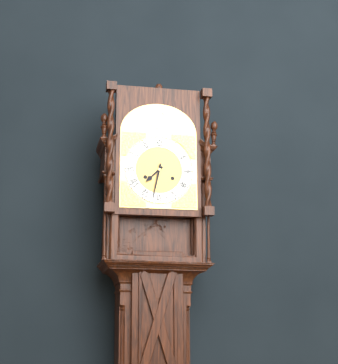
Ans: 7:32
